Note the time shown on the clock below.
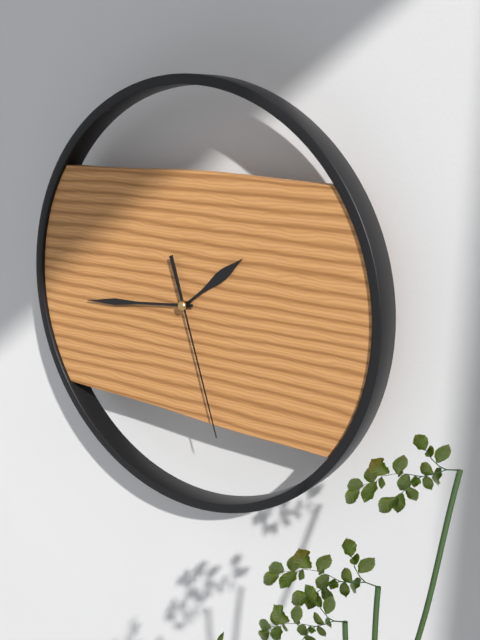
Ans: 1:44:27
